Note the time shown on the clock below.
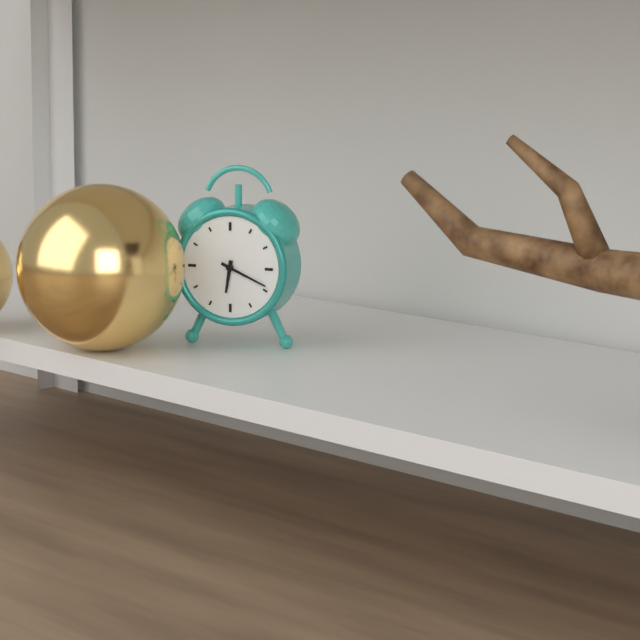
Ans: 6:19
